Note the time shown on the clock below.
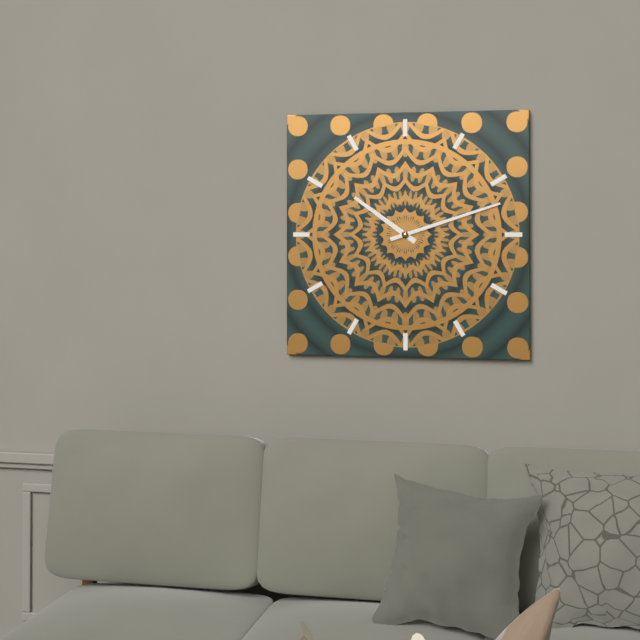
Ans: 10:12
